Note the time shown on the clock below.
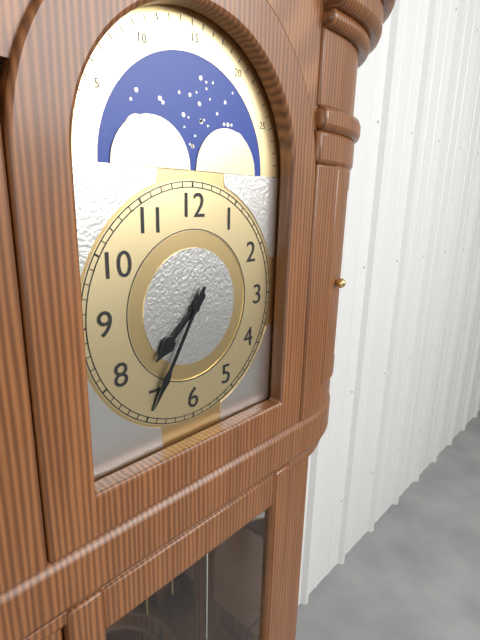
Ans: 7:35
